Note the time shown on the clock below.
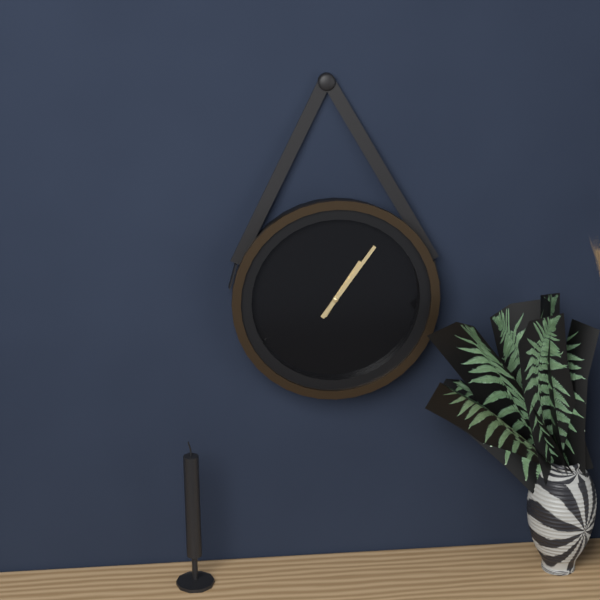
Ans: 1:06
